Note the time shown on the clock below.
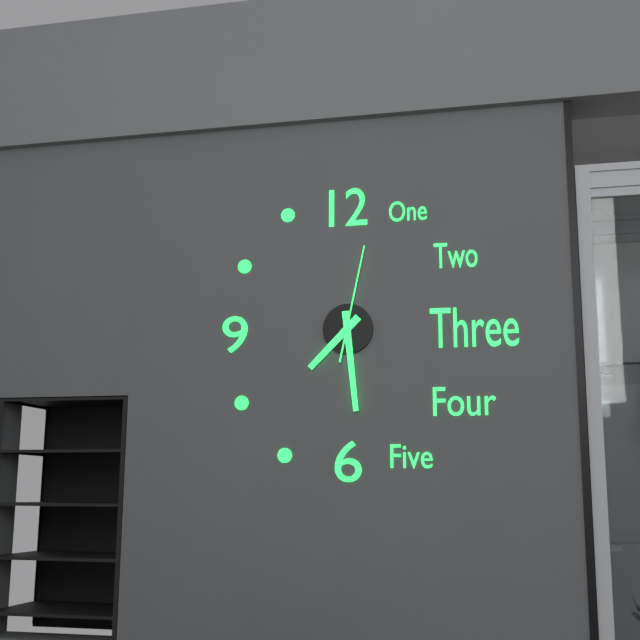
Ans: 7:29:02
